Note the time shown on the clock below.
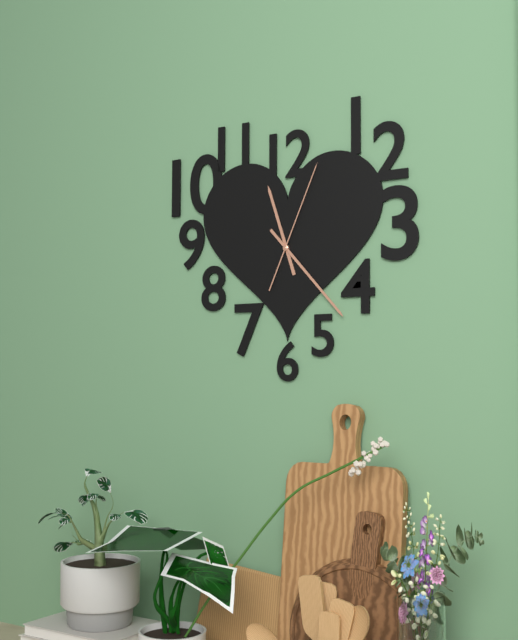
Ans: 11:23:04
